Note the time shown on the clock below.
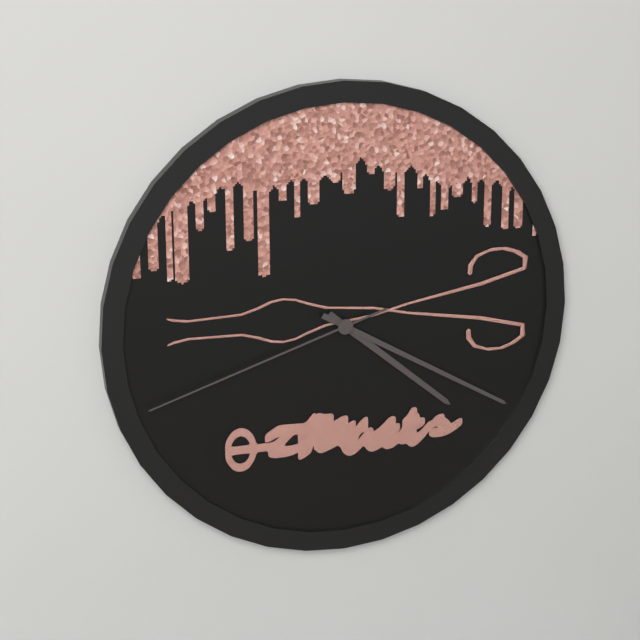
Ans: 4:20:42
